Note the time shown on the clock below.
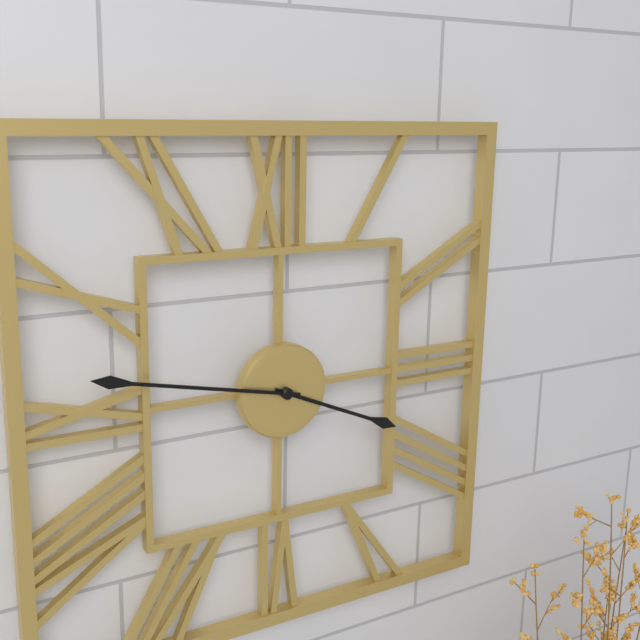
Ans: 3:47
